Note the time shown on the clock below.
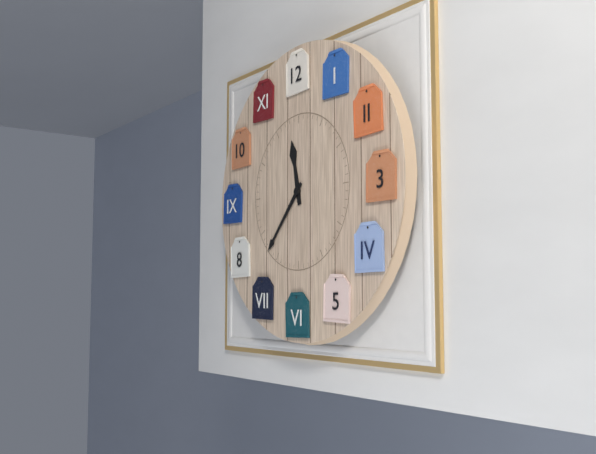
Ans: 11:37
